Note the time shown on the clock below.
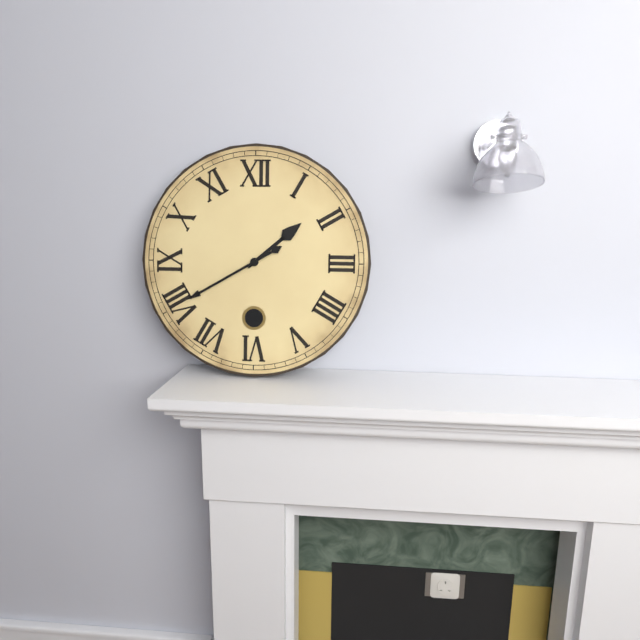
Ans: 1:40
